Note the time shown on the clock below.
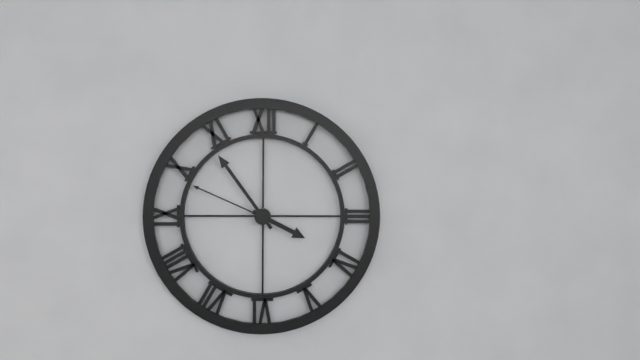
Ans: 3:54:49
